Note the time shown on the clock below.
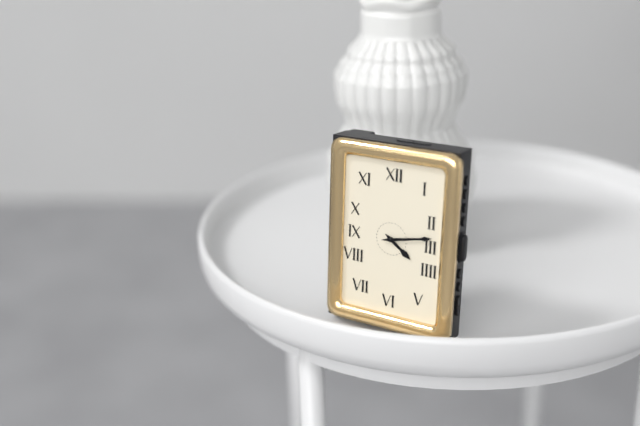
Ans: 4:13
